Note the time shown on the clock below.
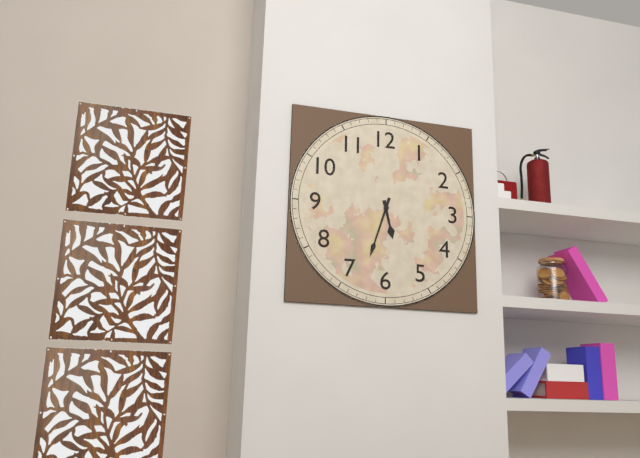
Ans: 5:33
